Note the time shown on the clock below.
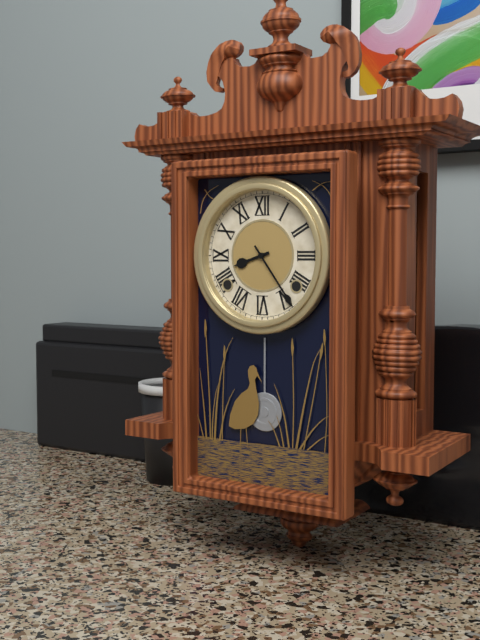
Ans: 8:24
